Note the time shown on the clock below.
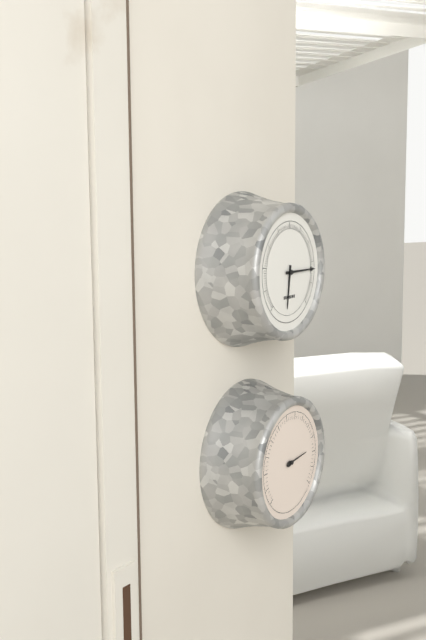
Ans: 6:15
